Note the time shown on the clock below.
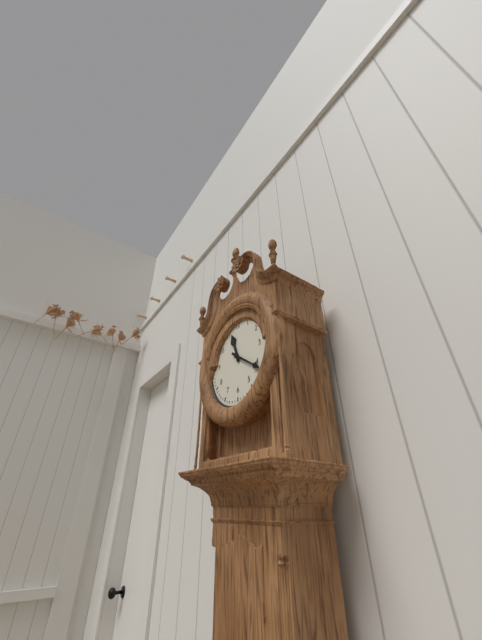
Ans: 11:21
